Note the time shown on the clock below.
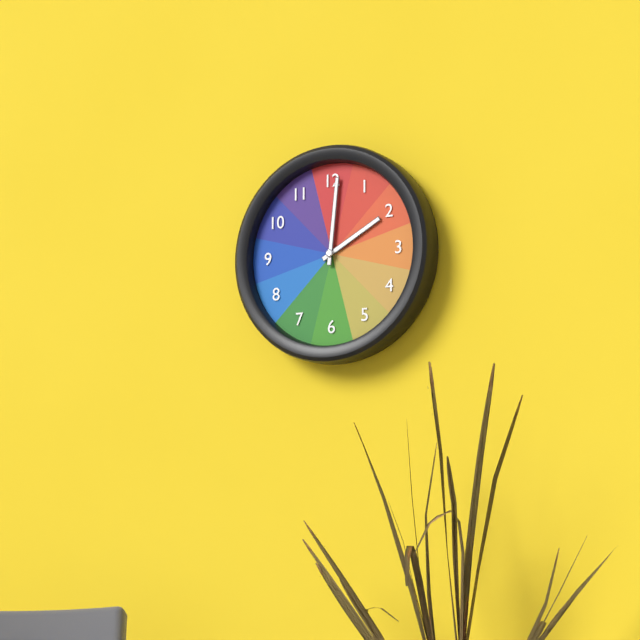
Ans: 2:01
